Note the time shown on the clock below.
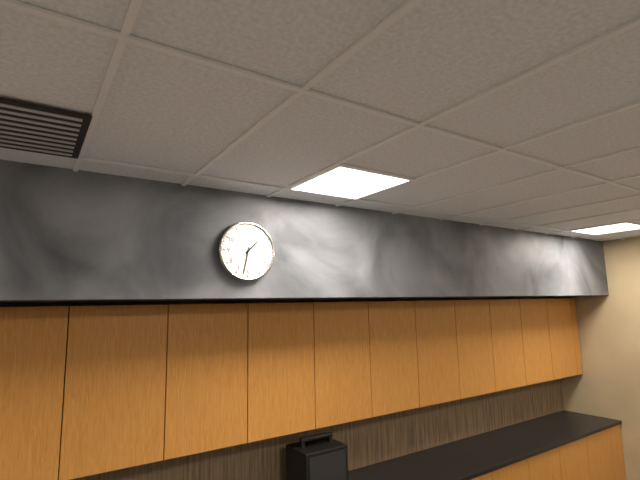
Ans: 1:32
